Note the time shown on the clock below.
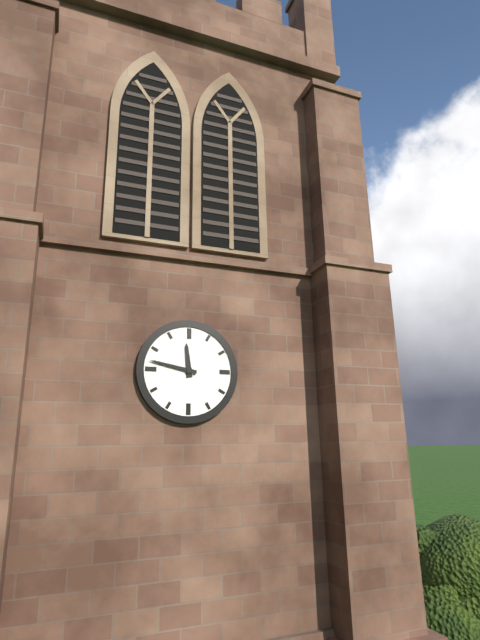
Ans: 11:47
